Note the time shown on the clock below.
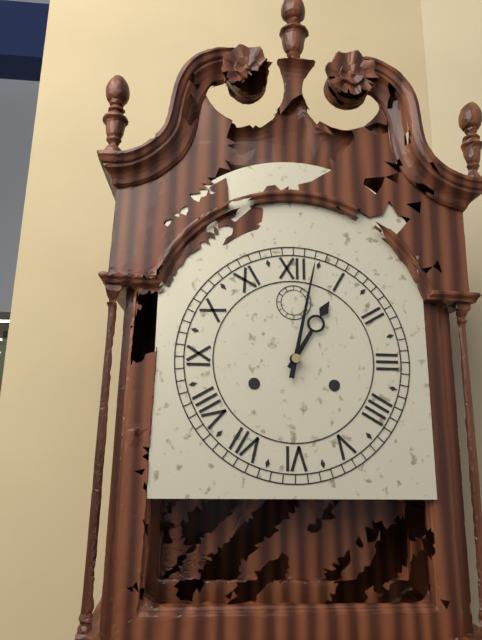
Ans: 1:02
